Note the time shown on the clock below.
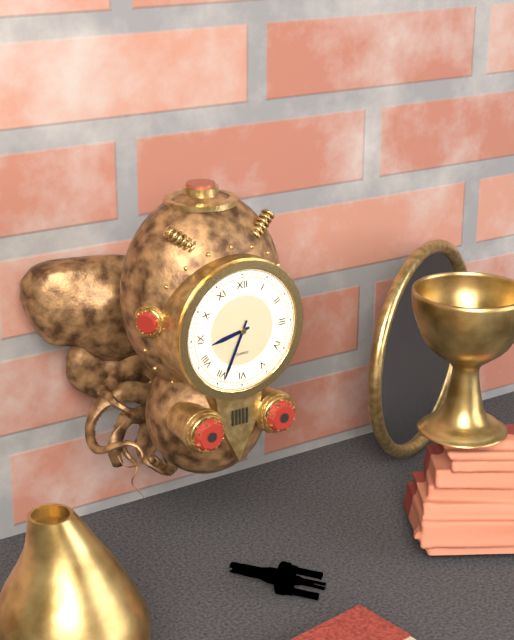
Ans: 8:34
